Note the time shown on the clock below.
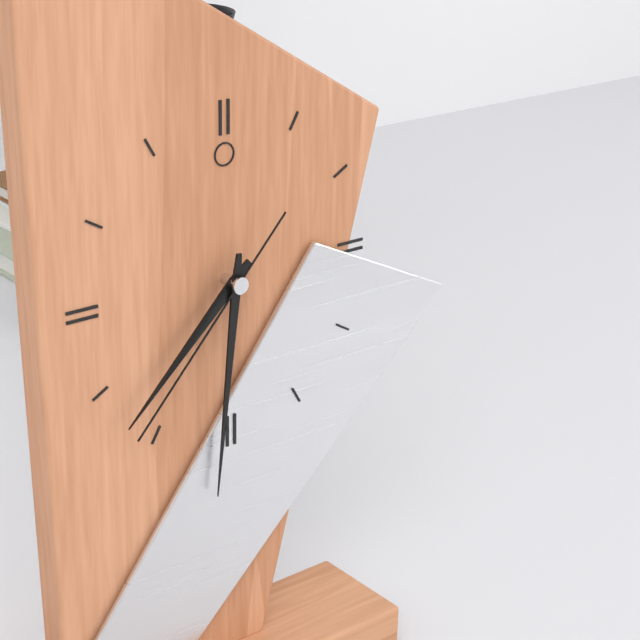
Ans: 7:31:37
